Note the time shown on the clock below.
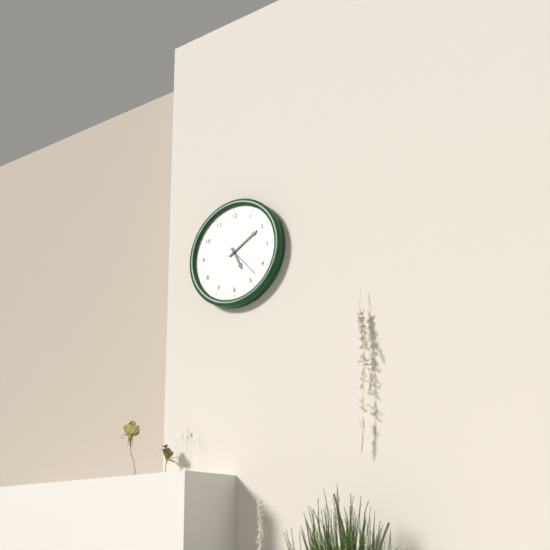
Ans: 5:10
